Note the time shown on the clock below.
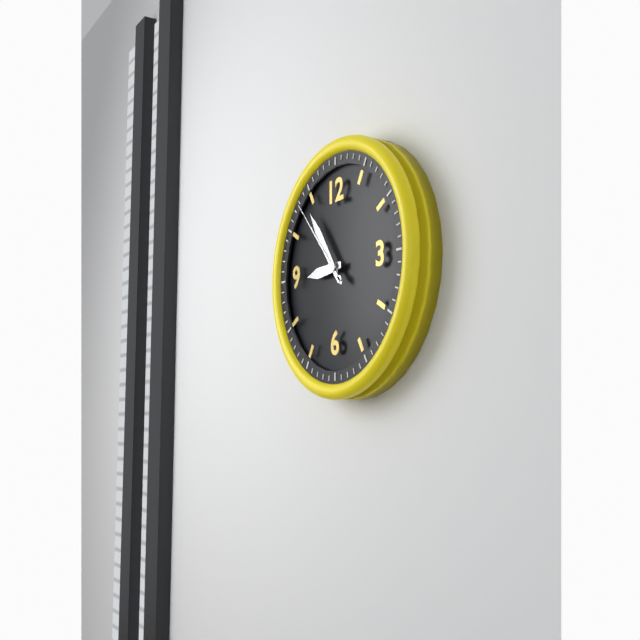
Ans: 8:54:53
